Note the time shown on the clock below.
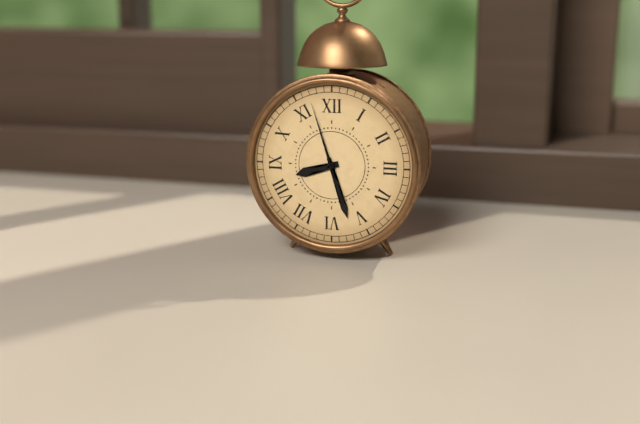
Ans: 8:27:57
